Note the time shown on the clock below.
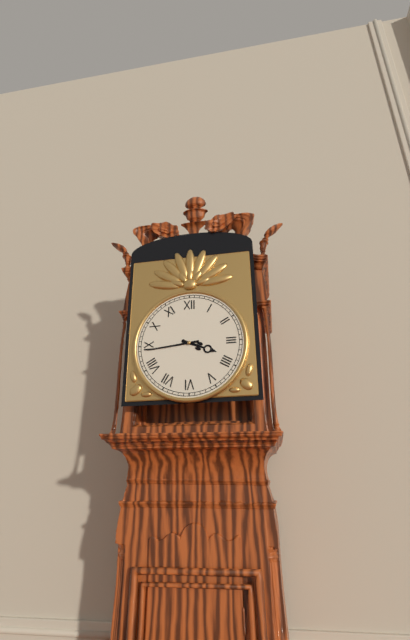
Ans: 3:44
